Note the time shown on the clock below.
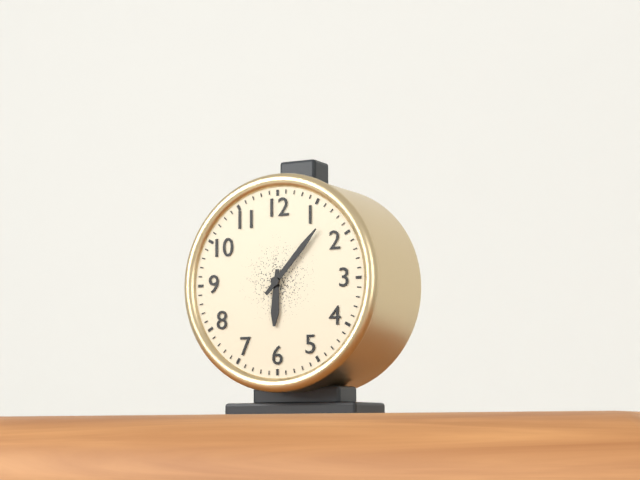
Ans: 6:07
